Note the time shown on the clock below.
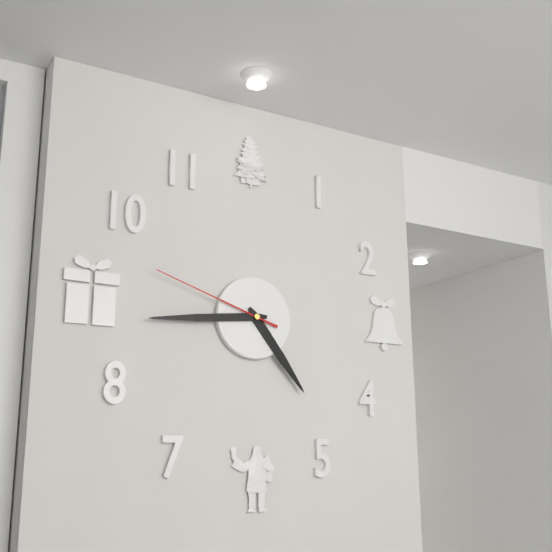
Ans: 4:44:48
